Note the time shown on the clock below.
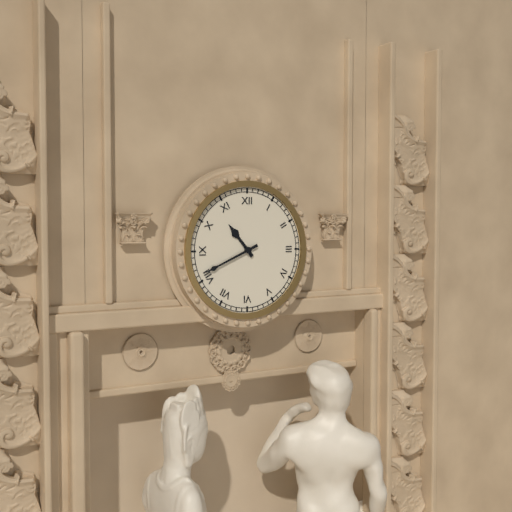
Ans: 10:41
